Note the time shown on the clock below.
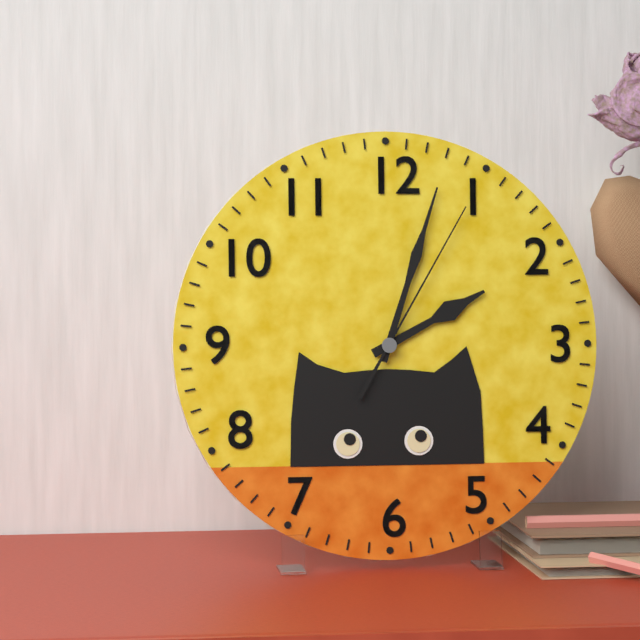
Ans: 2:03:05
